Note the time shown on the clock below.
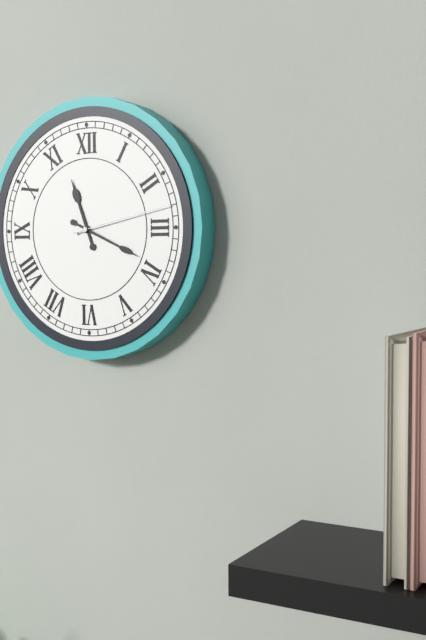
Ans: 11:19:13
